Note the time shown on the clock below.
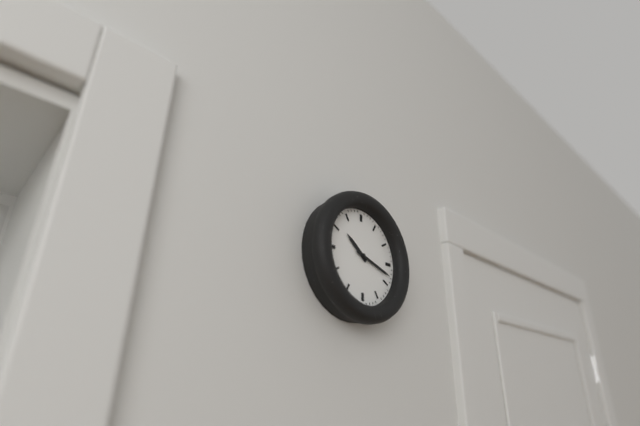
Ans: 10:18
